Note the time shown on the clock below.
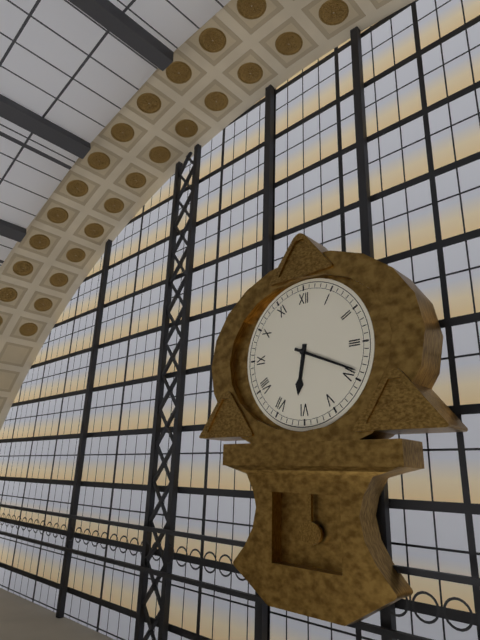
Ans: 6:19
